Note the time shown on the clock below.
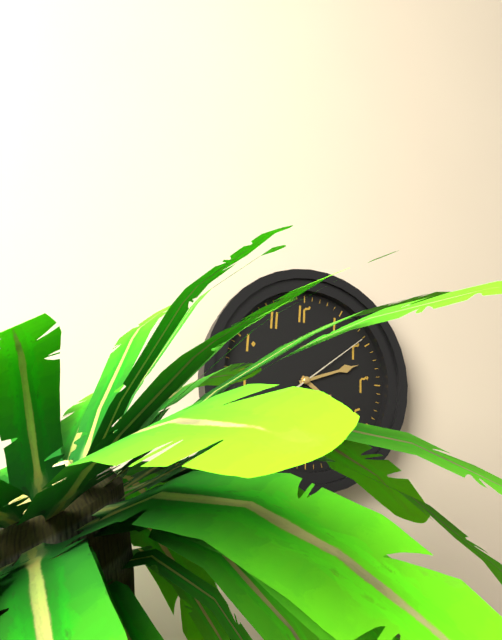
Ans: 4:12:09
